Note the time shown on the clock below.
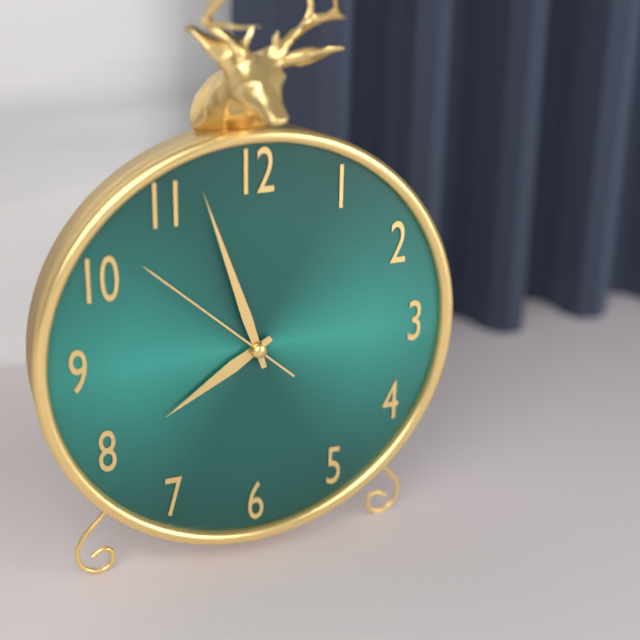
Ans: 7:57:52
